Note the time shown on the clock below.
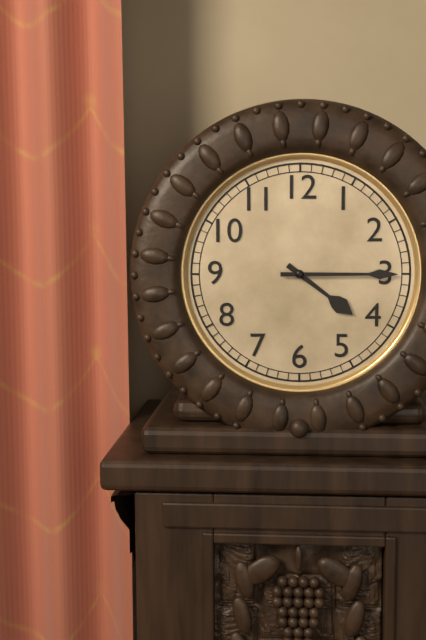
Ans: 4:15
